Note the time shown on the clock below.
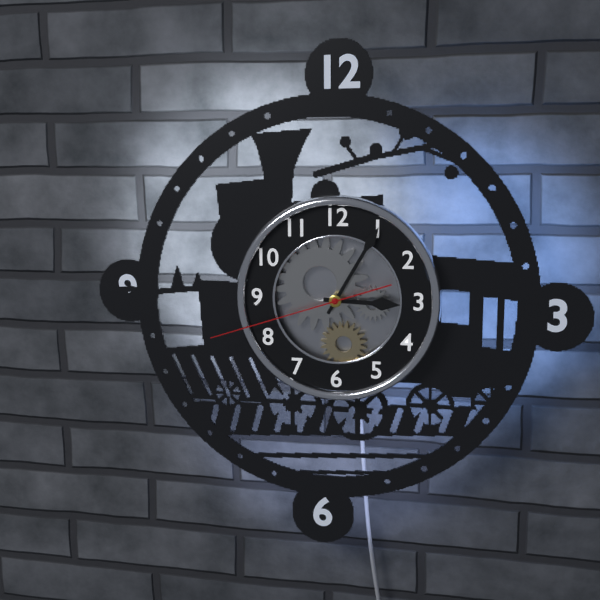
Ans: 3:05:42
